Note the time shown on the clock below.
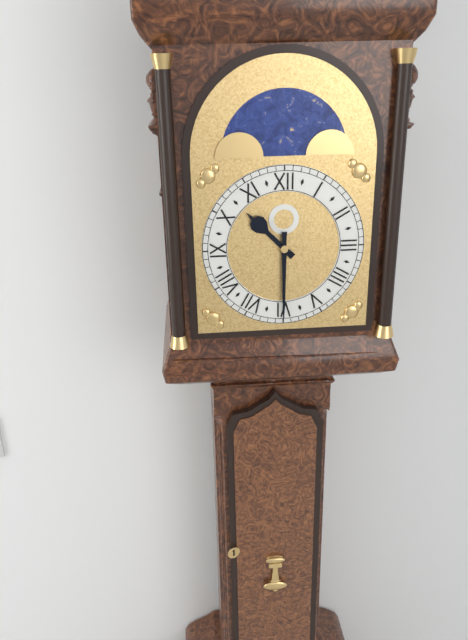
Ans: 10:30
